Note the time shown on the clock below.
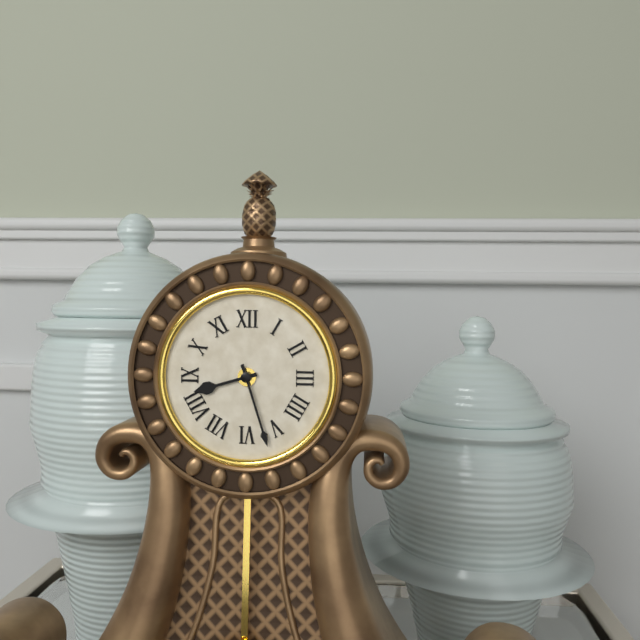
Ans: 8:27
